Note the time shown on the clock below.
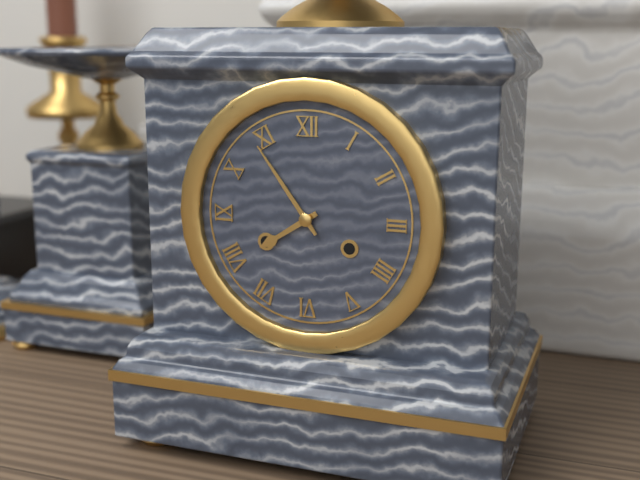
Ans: 7:54
